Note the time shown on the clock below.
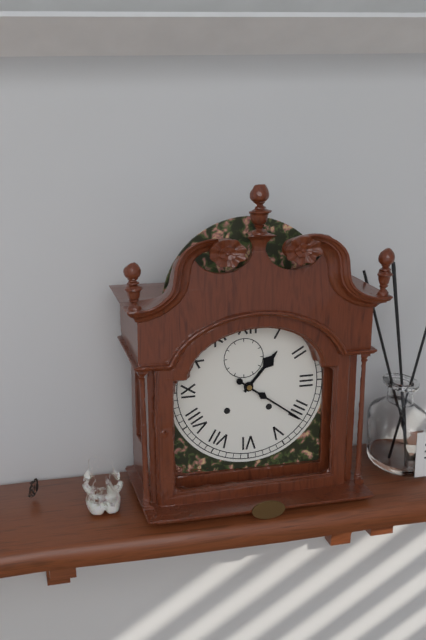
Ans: 1:21
